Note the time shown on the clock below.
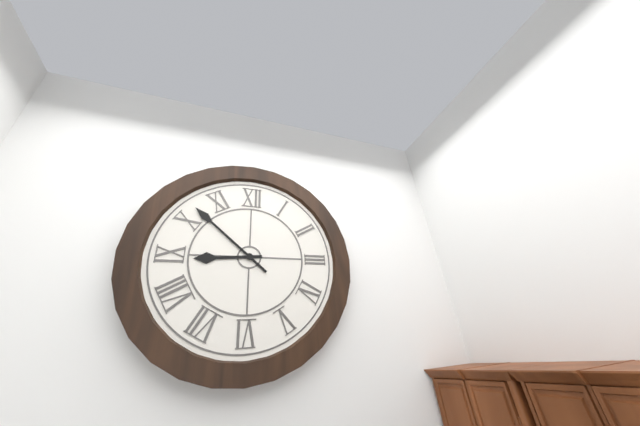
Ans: 8:52
